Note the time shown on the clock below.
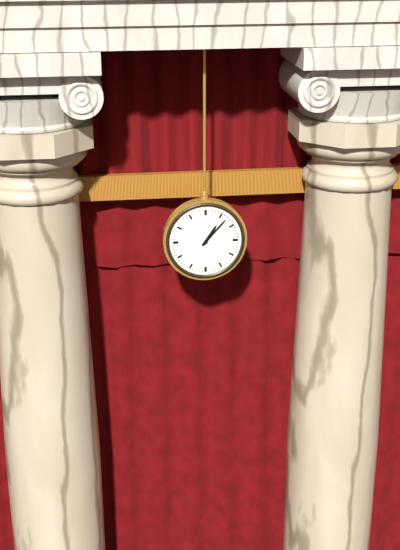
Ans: 1:07
